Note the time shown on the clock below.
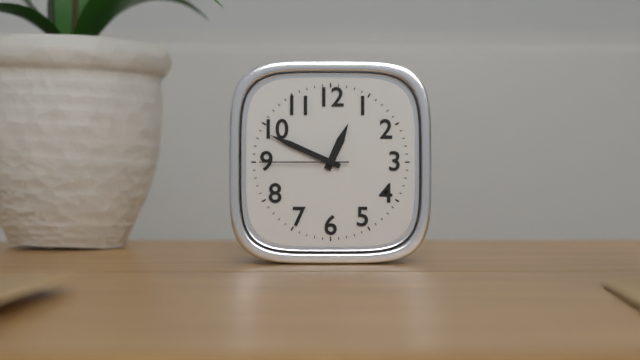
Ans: 12:49:45
